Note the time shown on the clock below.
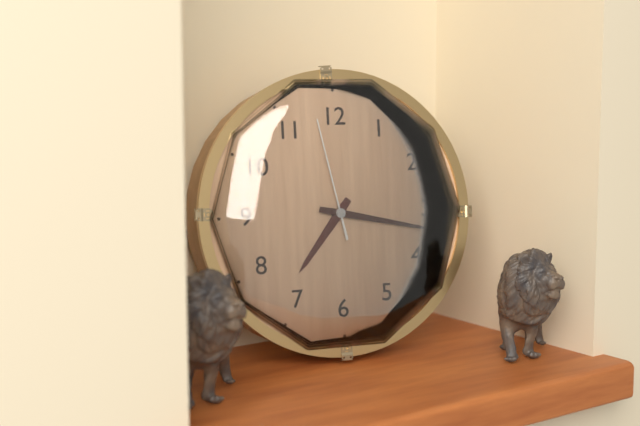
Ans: 7:17:58
